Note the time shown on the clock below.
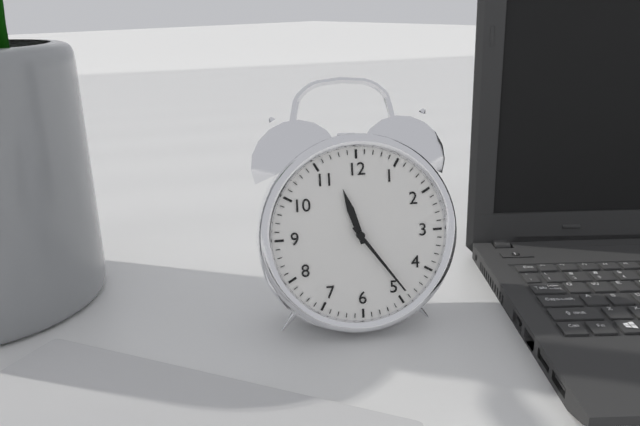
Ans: 11:24
